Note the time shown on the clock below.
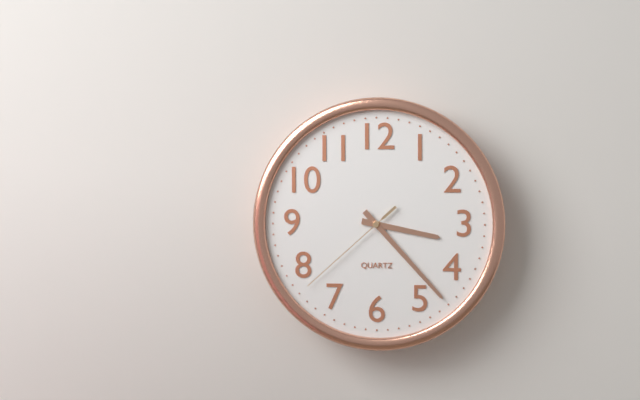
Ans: 3:23:38
